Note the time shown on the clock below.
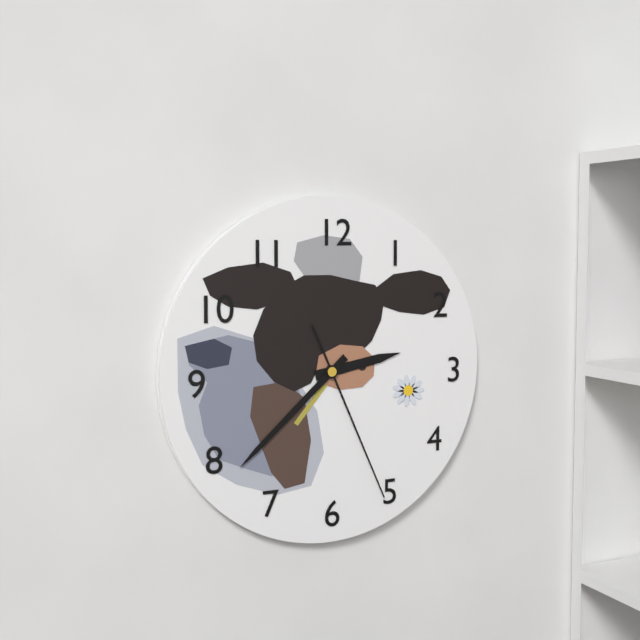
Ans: 2:38:26
